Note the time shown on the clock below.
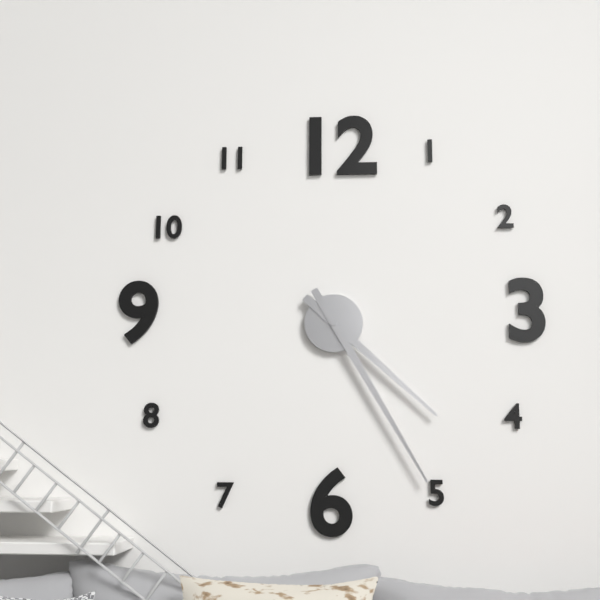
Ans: 4:25
